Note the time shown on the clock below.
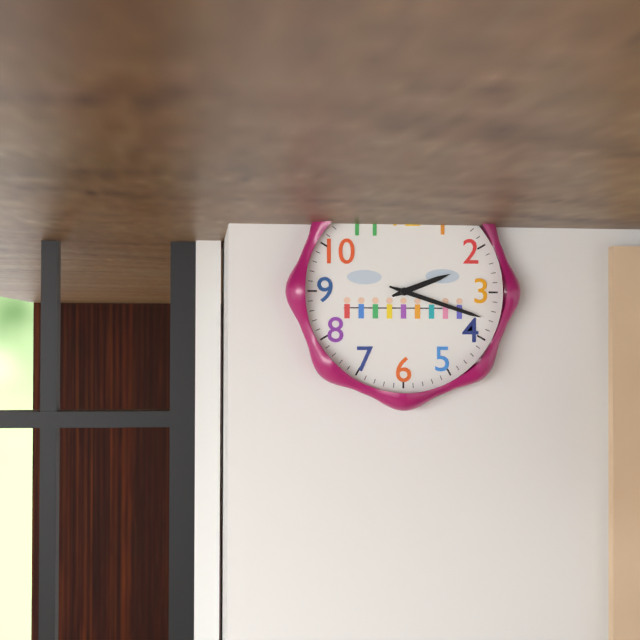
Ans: 2:18
